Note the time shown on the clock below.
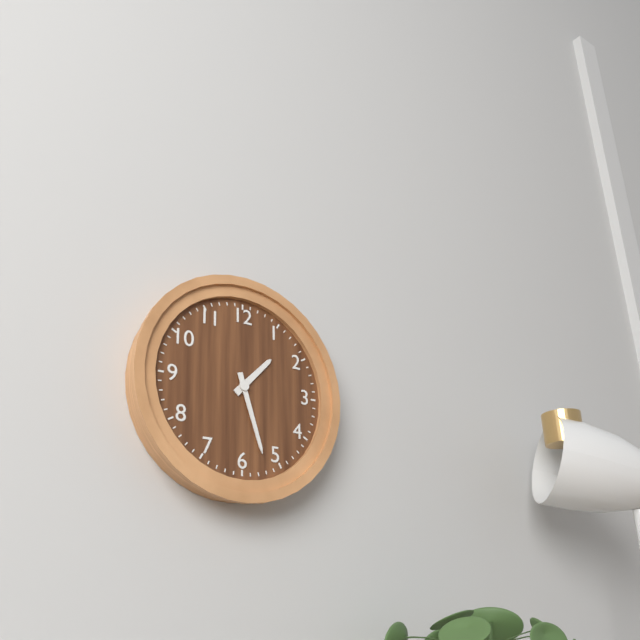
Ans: 1:27
